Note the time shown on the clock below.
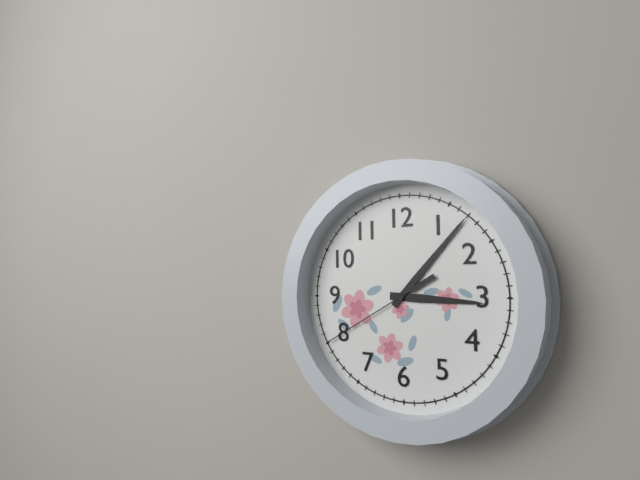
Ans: 3:07:40
